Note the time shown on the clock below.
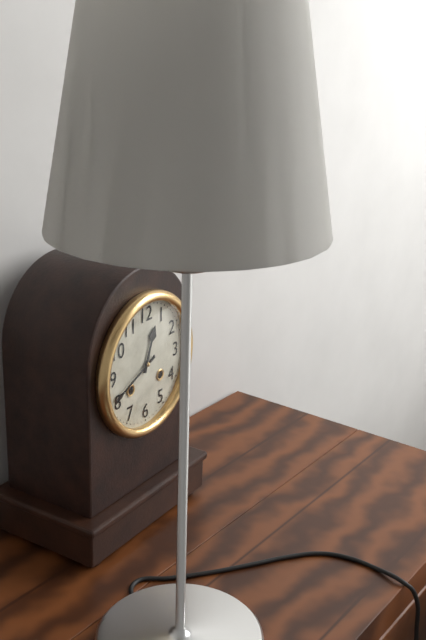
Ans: 12:41
